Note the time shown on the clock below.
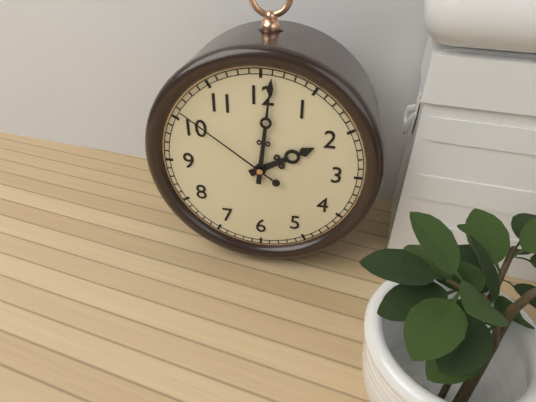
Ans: 2:01:51
